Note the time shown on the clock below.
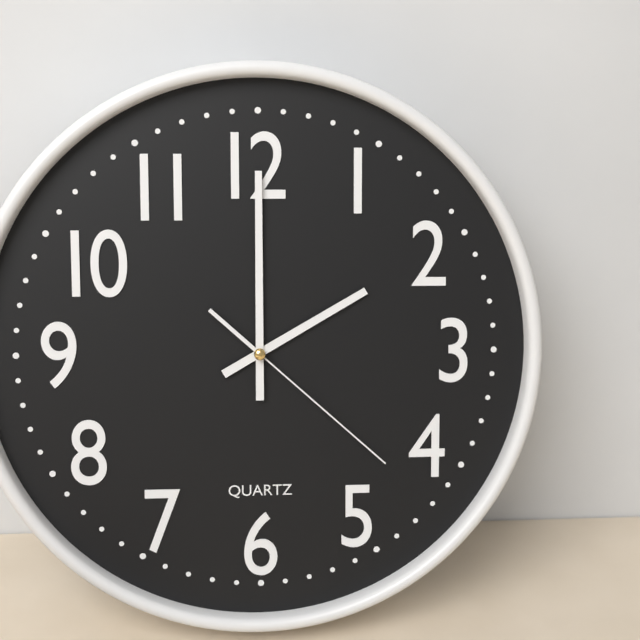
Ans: 2:00:22
